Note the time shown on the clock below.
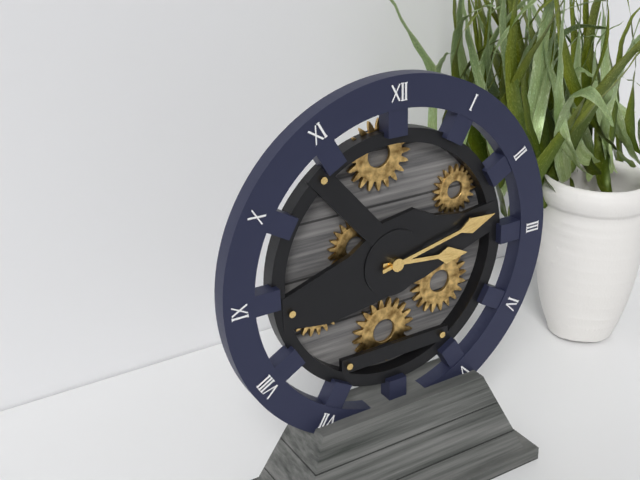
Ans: 3:13
